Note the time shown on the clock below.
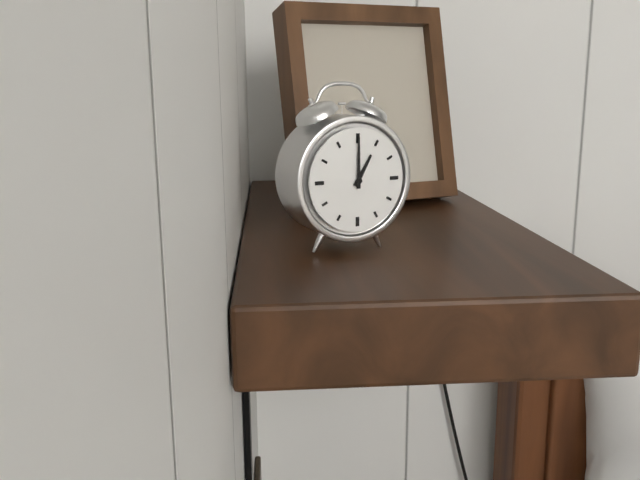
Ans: 1:00
